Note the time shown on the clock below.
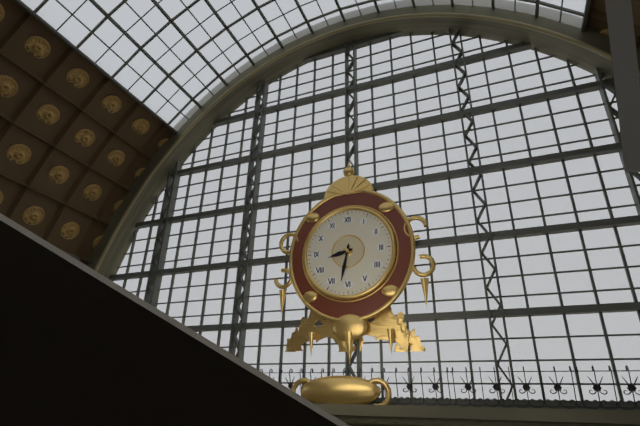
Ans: 8:32
